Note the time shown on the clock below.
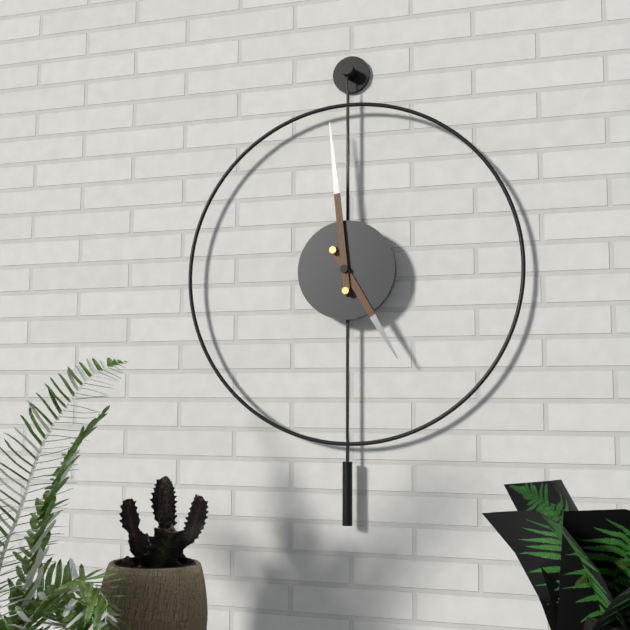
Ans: 4:59
